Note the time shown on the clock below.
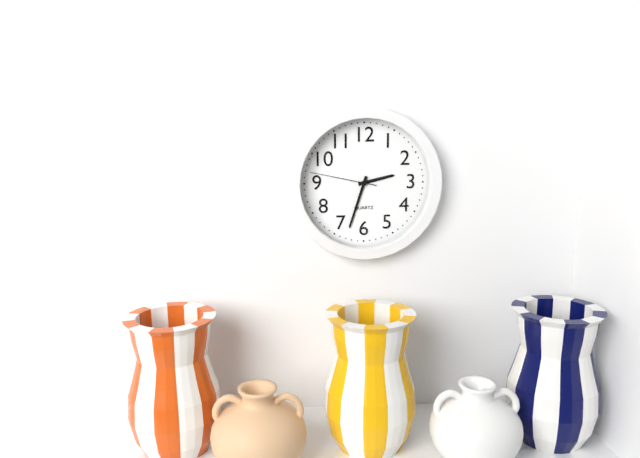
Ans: 2:33:47
